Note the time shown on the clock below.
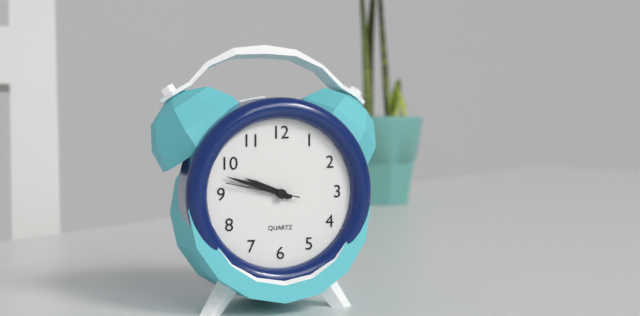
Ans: 9:48:47
